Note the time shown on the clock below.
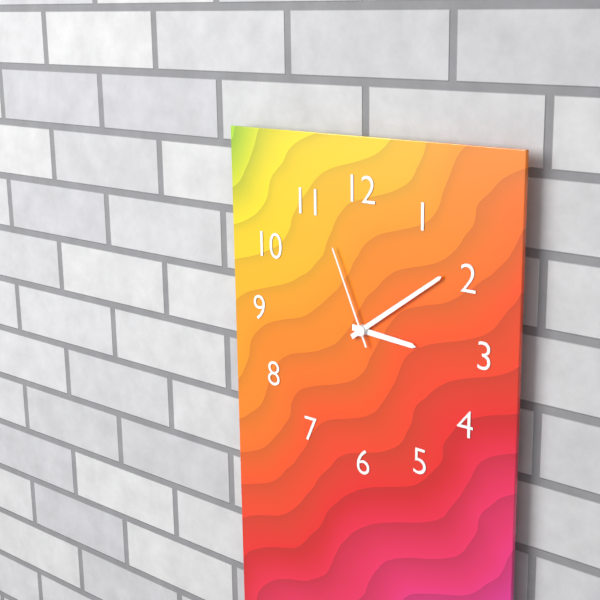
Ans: 3:09:56
